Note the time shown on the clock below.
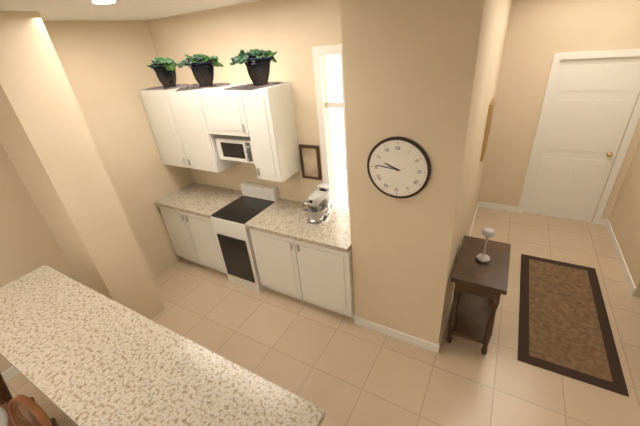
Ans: 9:46
